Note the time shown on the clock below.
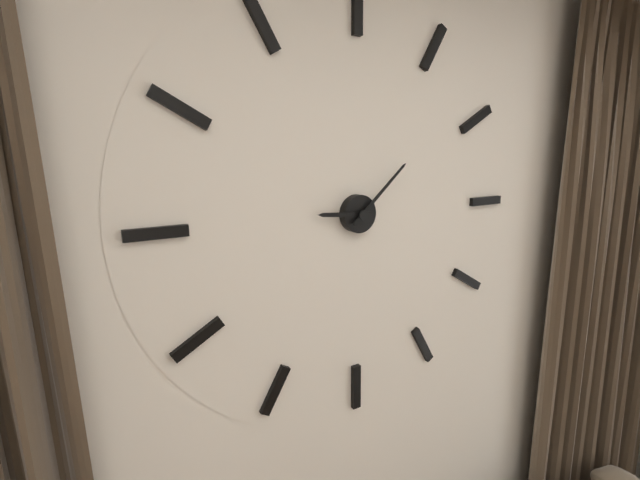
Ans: 9:08
